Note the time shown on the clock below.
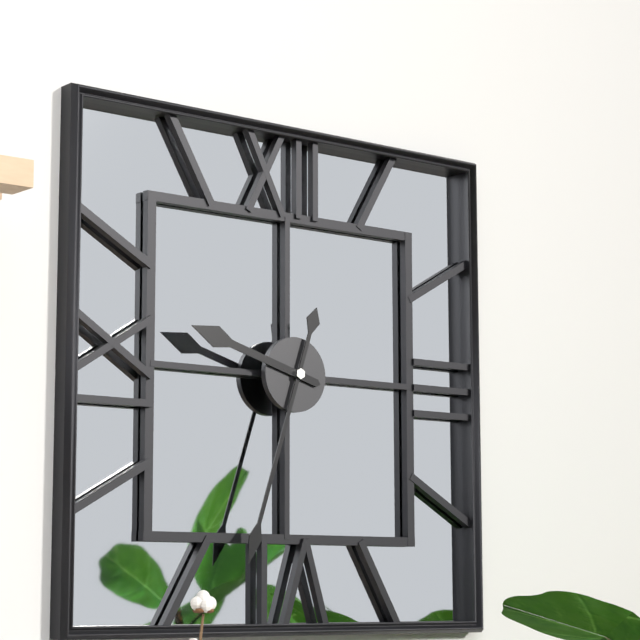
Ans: 9:33
